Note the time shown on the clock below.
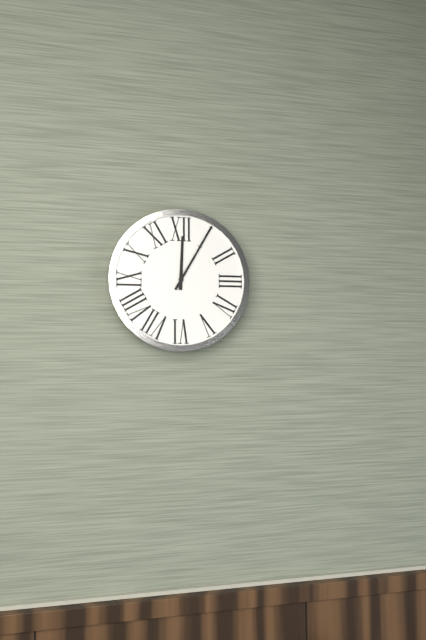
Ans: 12:05
